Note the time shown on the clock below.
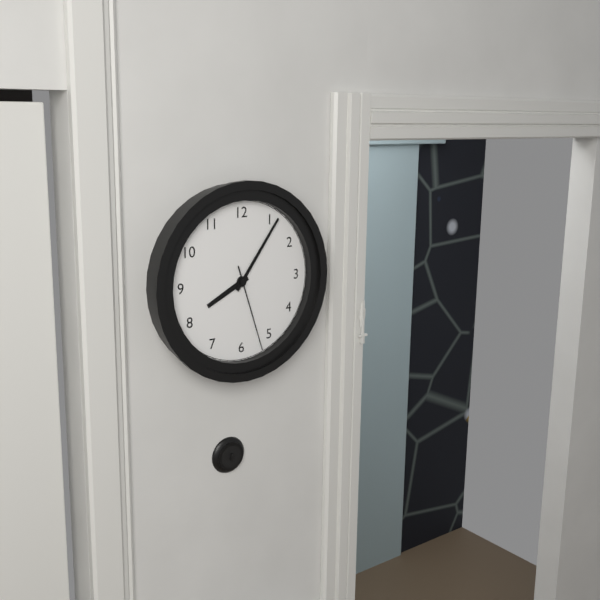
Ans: 8:06:27
